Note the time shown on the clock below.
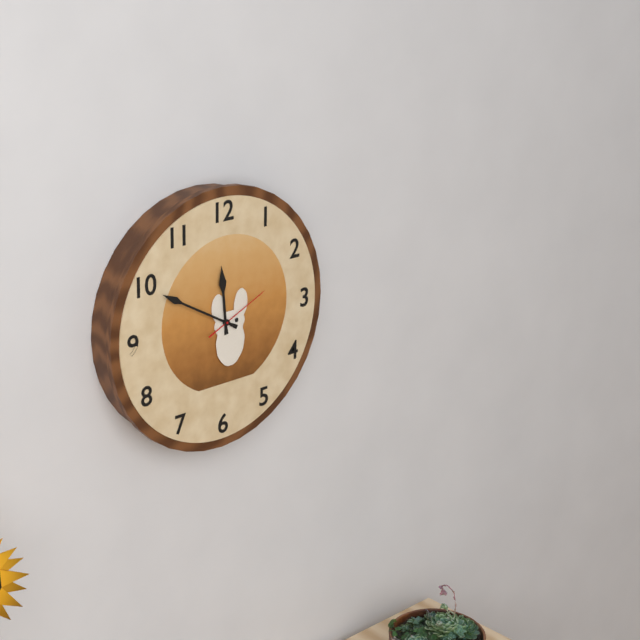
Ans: 11:50:11
